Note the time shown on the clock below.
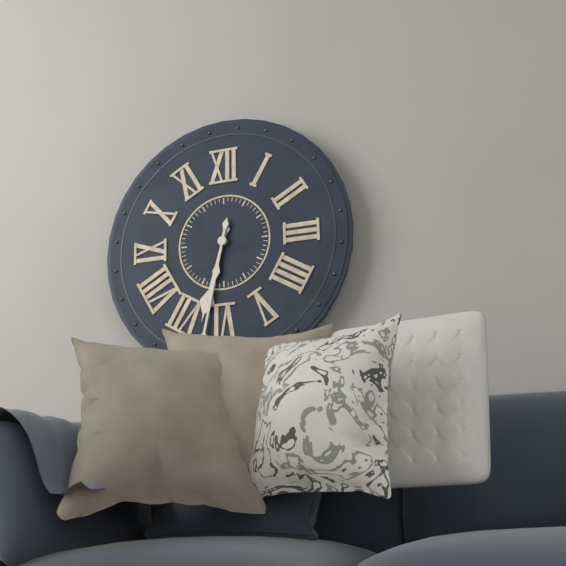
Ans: 6:32
